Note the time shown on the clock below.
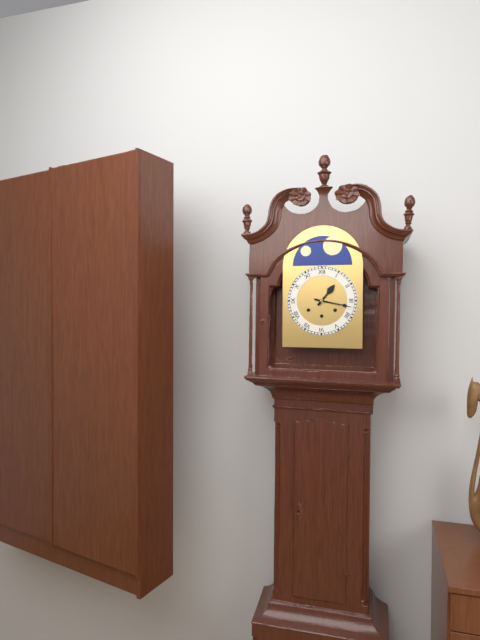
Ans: 1:17
